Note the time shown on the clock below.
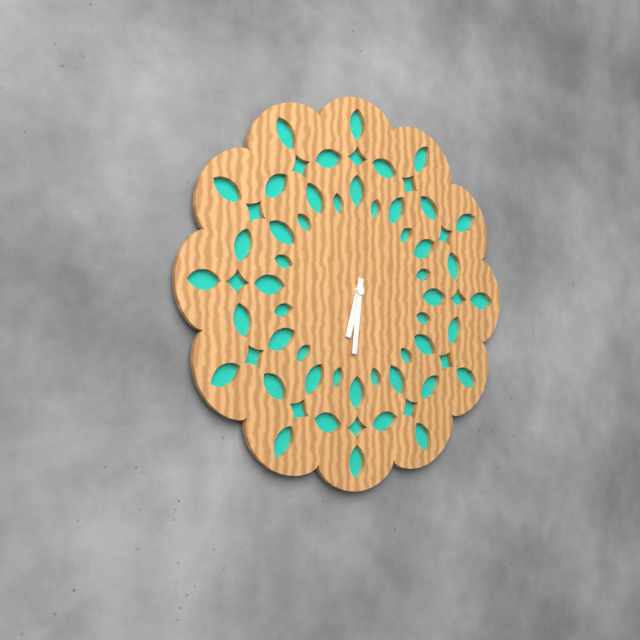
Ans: 6:31
